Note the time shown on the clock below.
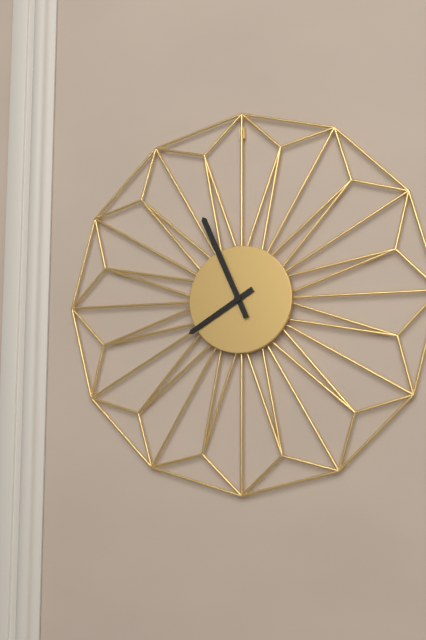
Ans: 7:56
